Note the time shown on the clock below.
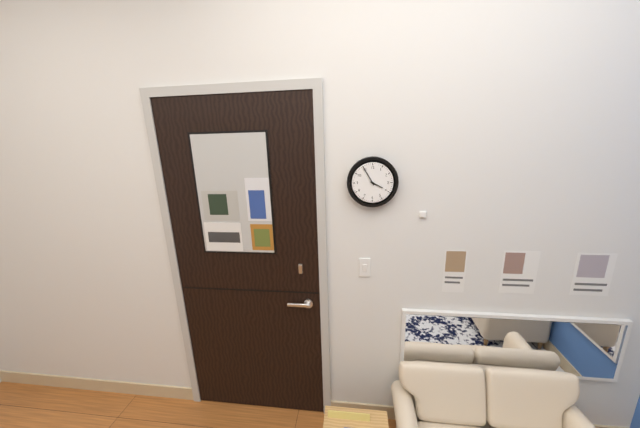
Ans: 3:55
